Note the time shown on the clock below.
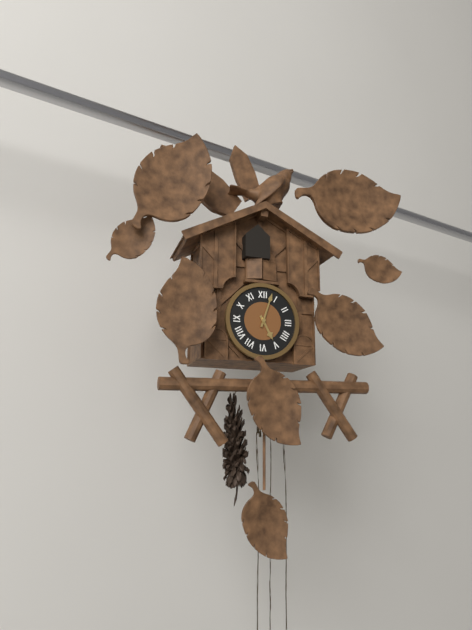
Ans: 5:03
